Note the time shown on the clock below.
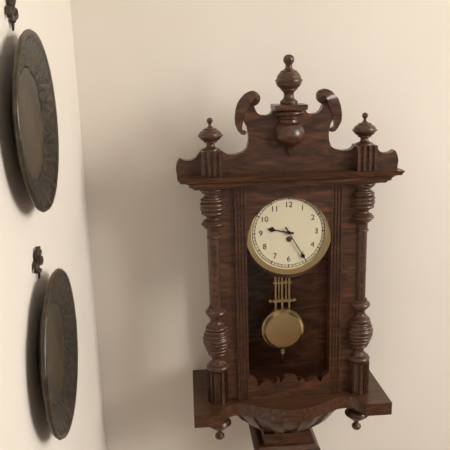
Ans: 9:25
